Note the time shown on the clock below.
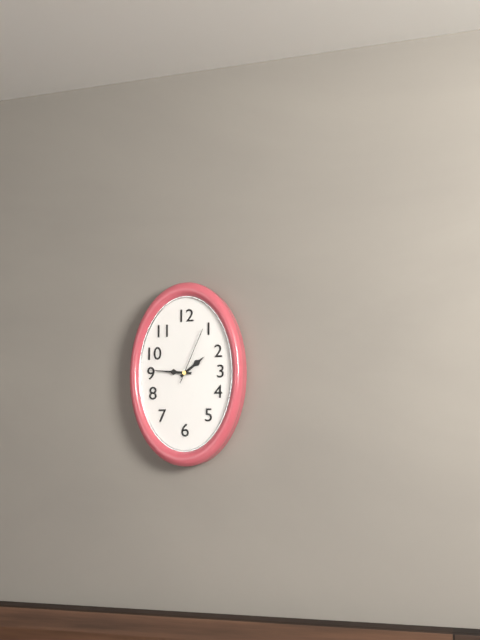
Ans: 1:46:04
